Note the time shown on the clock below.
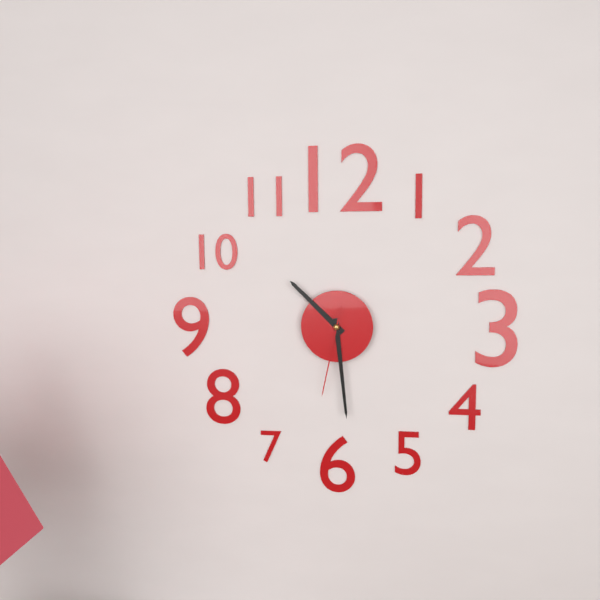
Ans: 10:29:32
